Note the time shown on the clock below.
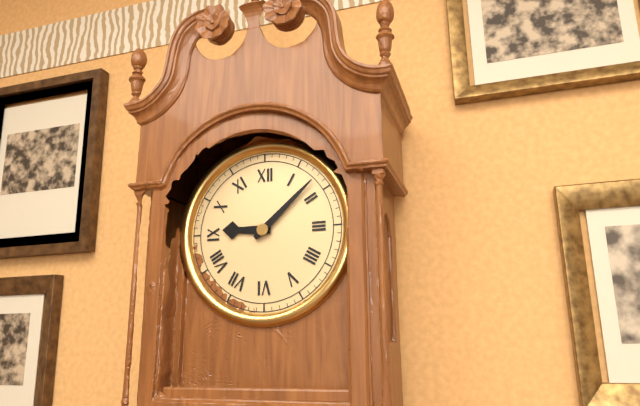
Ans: 9:08
